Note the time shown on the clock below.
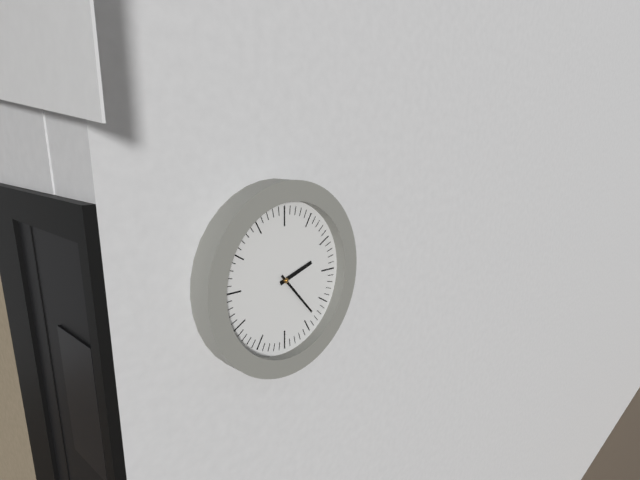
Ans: 2:23
